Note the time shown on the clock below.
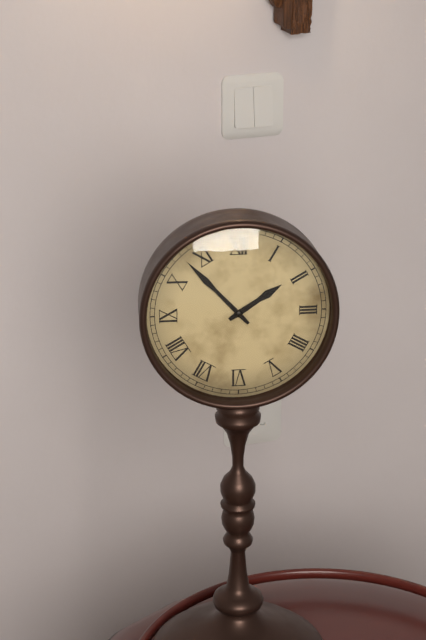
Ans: 1:53
